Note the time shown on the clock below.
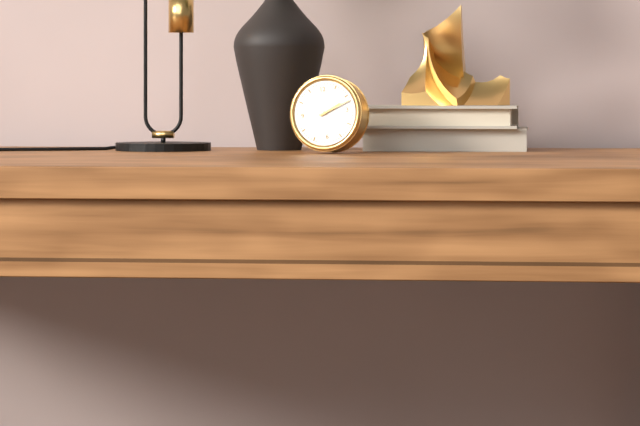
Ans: 2:12
